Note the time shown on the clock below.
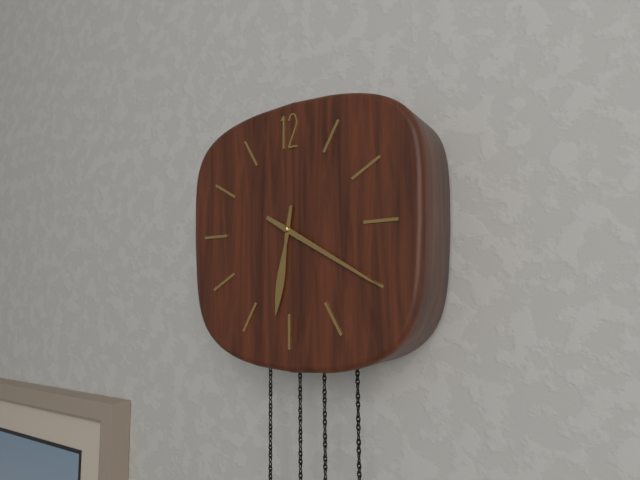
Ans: 6:20
